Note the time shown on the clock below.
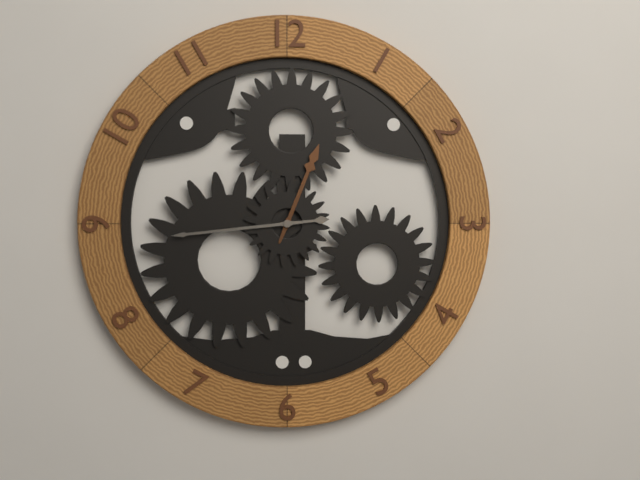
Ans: 12:44
